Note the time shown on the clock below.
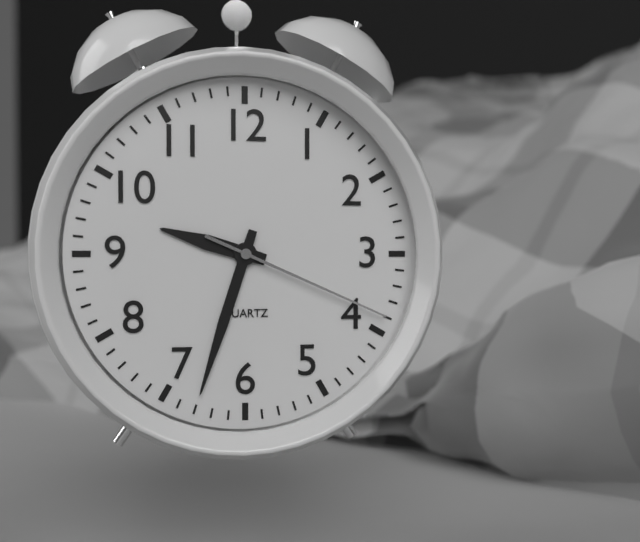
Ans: 9:33:19
